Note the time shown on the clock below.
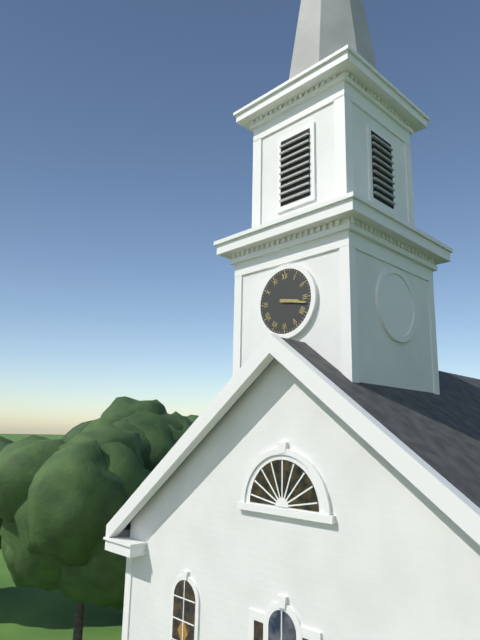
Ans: 3:17
